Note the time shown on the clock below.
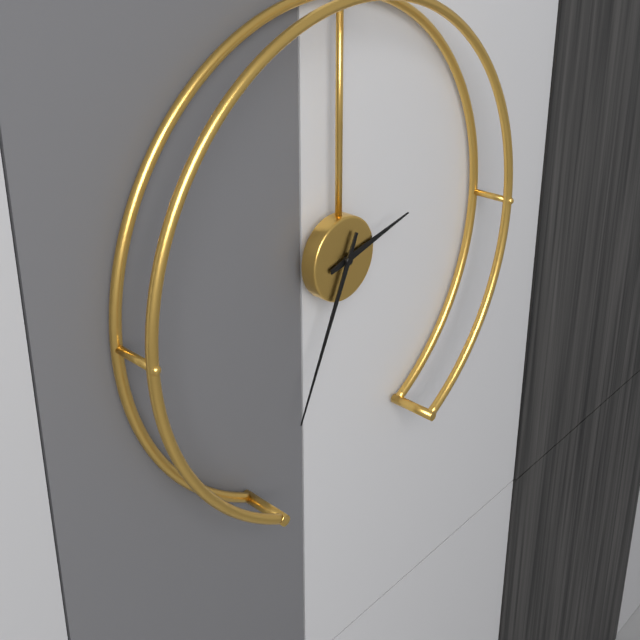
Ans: 2:34
